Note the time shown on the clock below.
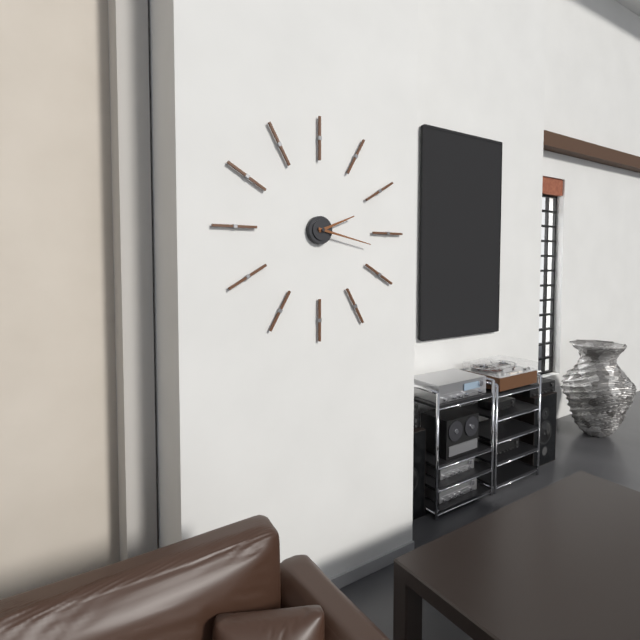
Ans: 2:17
